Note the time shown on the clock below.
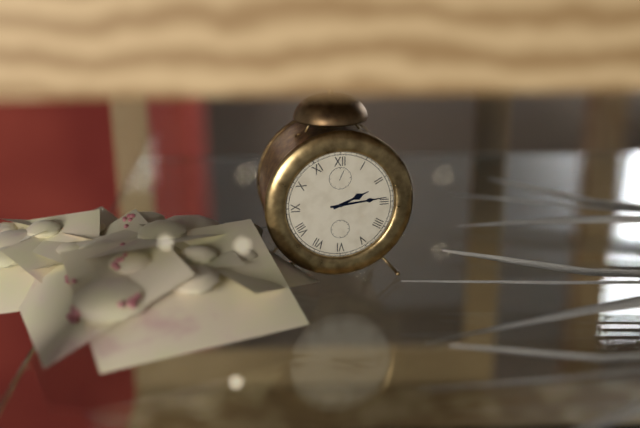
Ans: 2:14
